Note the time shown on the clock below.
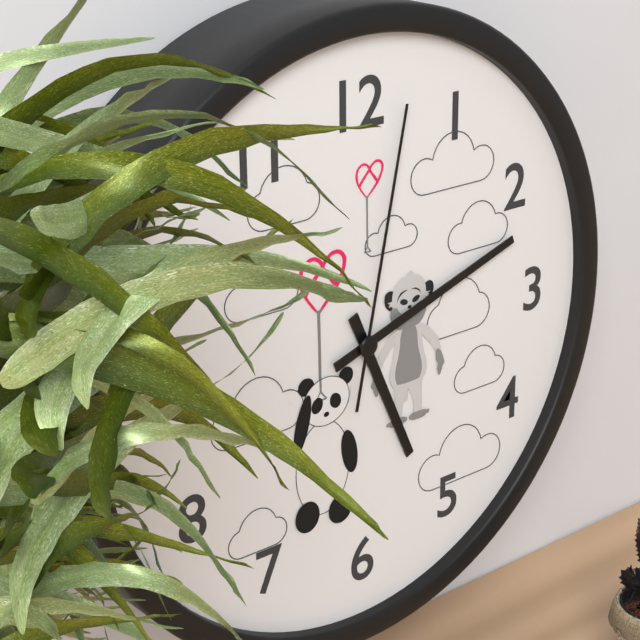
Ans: 5:12:02
